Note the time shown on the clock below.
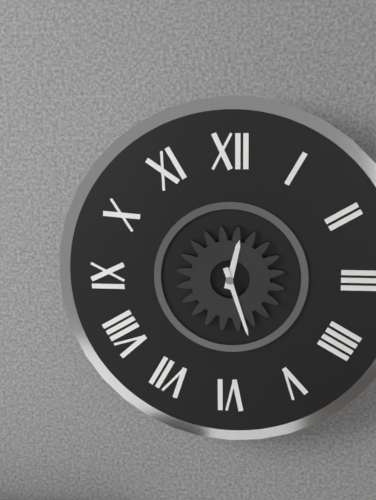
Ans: 12:27
